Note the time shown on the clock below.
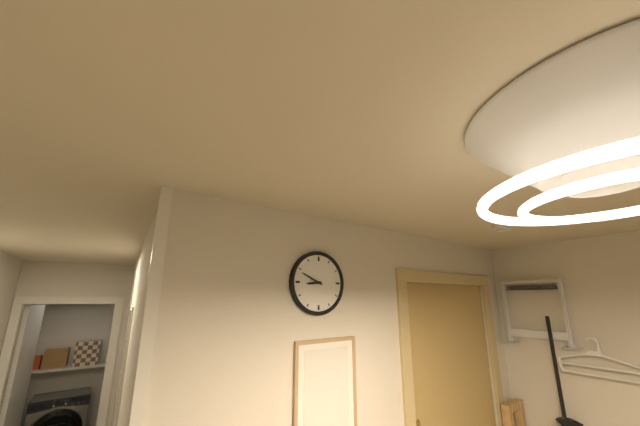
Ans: 8:49
